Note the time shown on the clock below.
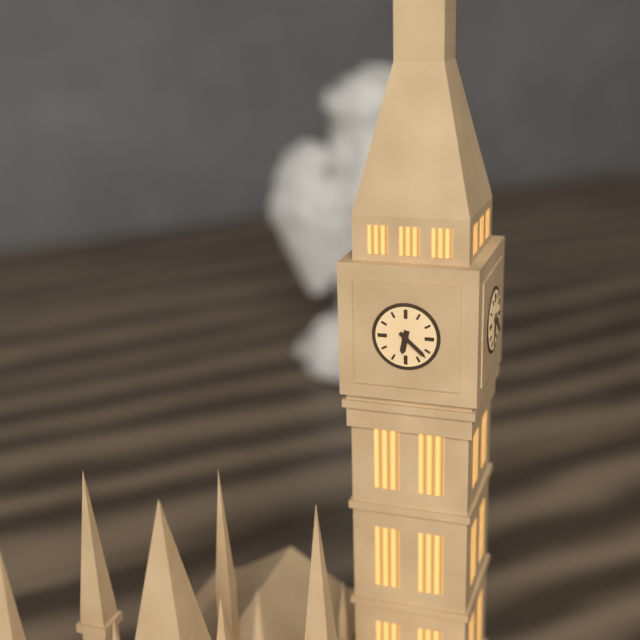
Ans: 6:22
